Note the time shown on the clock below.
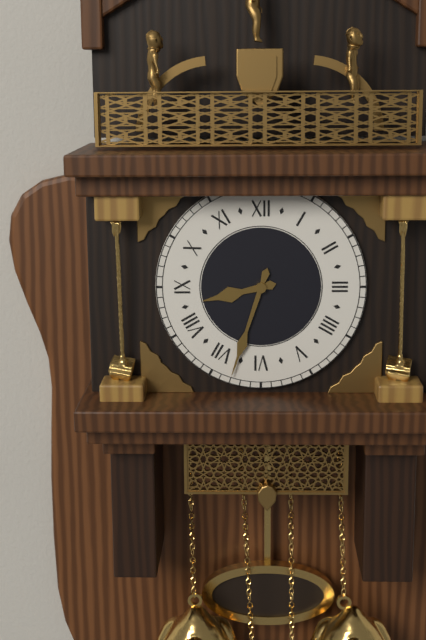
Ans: 8:33
